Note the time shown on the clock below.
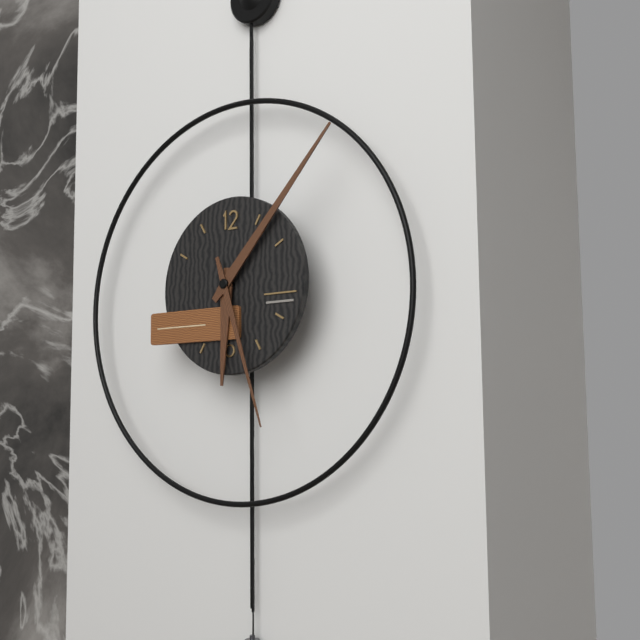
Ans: 6:07:27
